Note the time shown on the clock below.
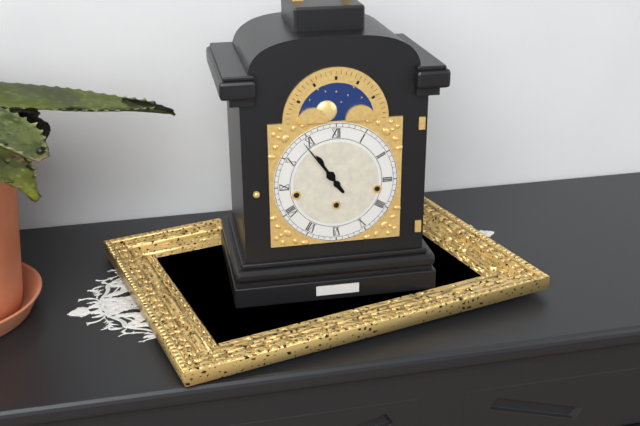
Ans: 10:54
